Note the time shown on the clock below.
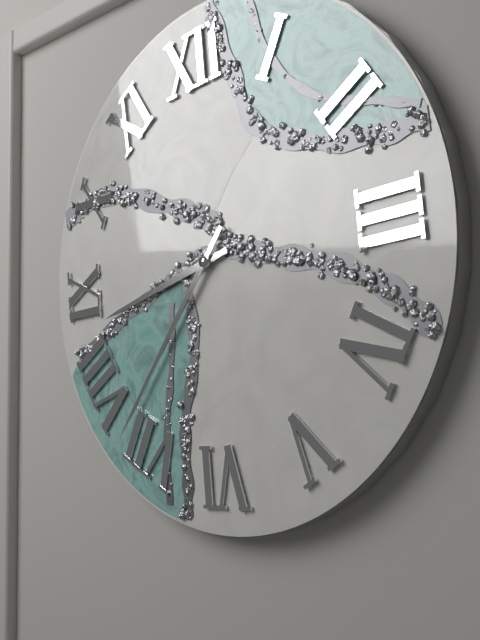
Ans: 8:37
